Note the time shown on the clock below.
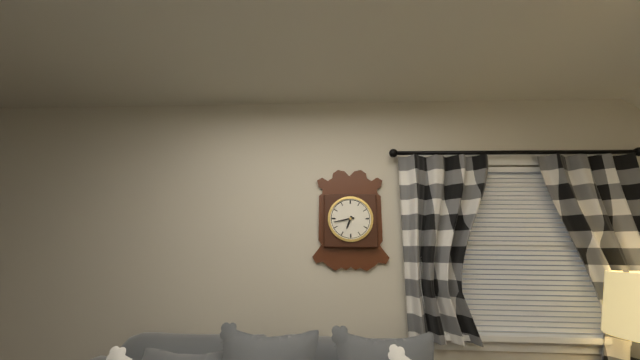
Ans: 6:43
